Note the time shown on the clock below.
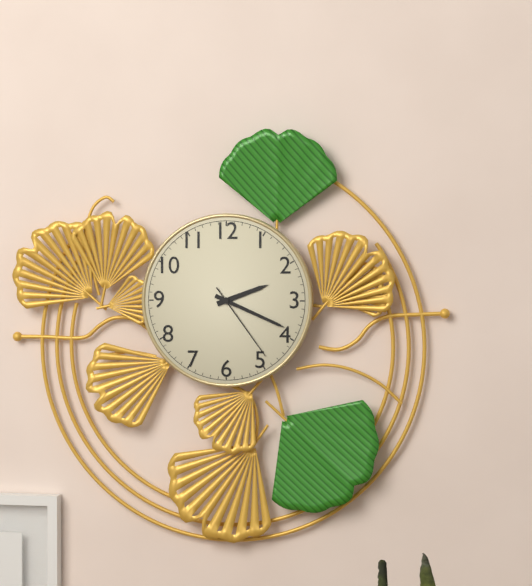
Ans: 2:19:24
